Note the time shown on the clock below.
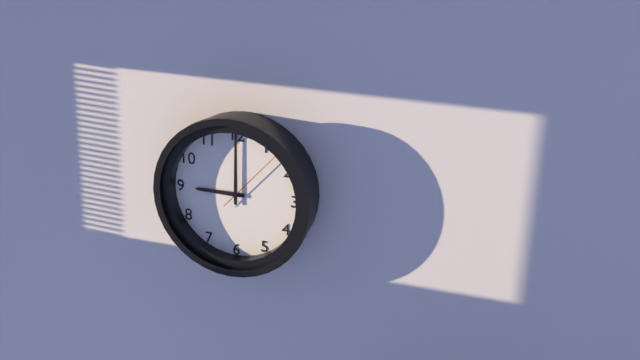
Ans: 9:00:07
